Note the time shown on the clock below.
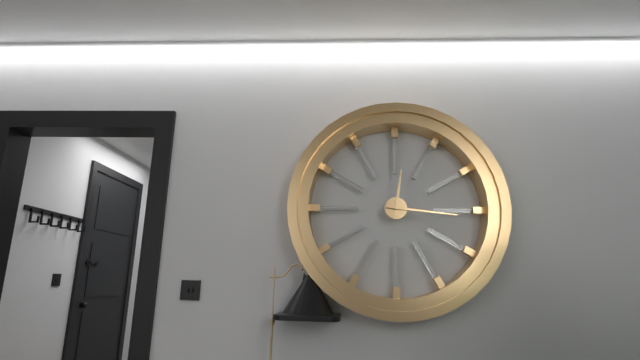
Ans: 12:16
